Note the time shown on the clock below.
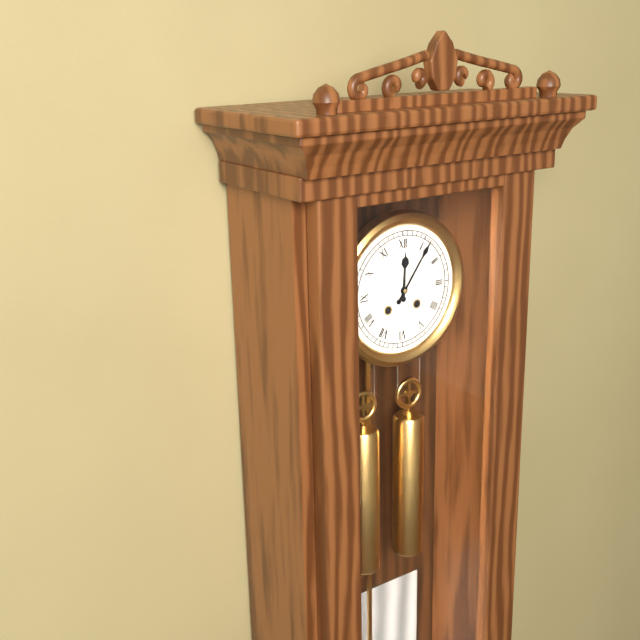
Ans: 12:06
